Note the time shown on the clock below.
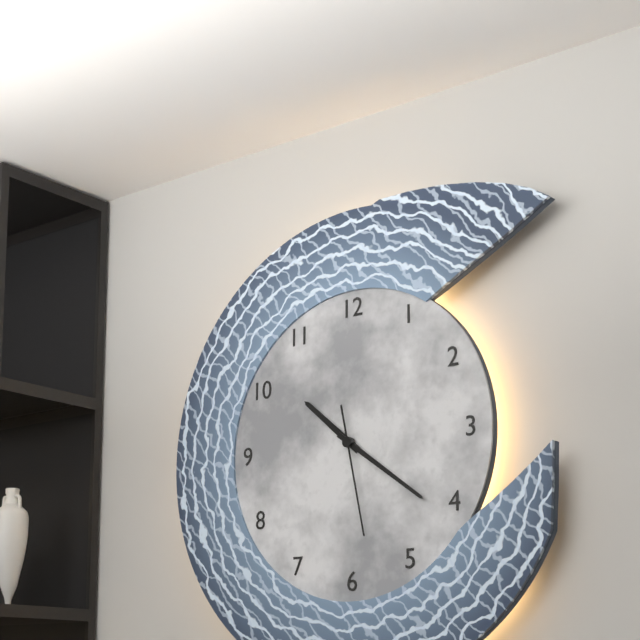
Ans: 10:21:28
